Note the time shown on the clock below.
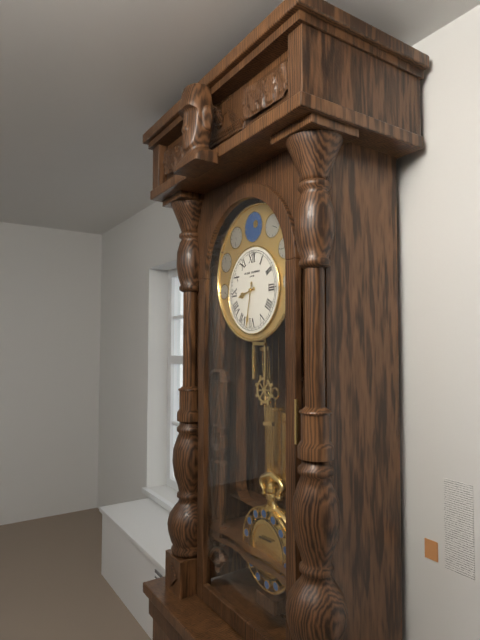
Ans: 8:32
